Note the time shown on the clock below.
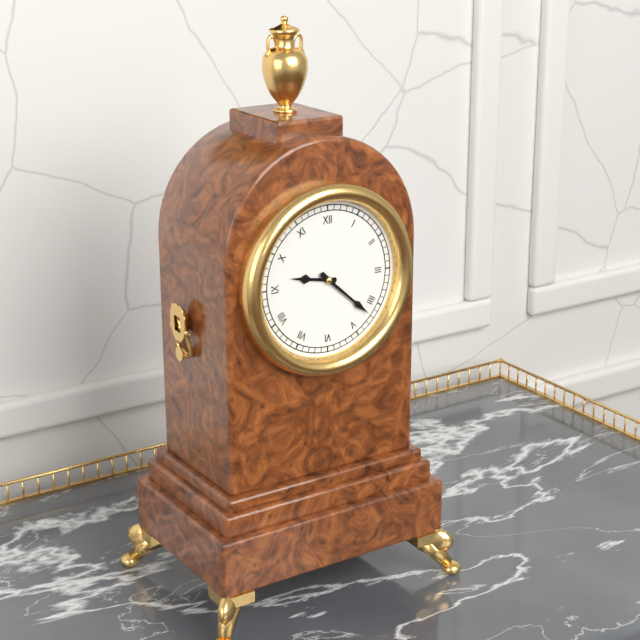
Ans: 9:22
